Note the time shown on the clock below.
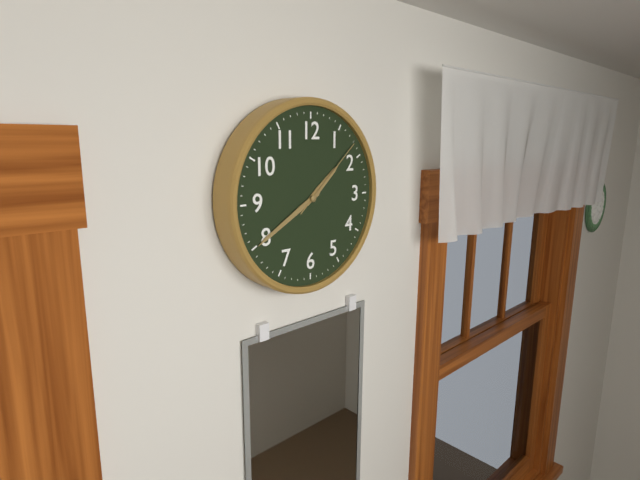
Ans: 1:40:08
